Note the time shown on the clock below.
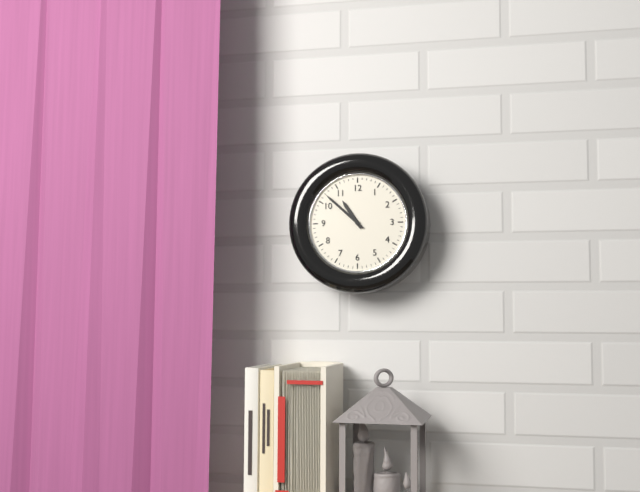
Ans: 10:52
